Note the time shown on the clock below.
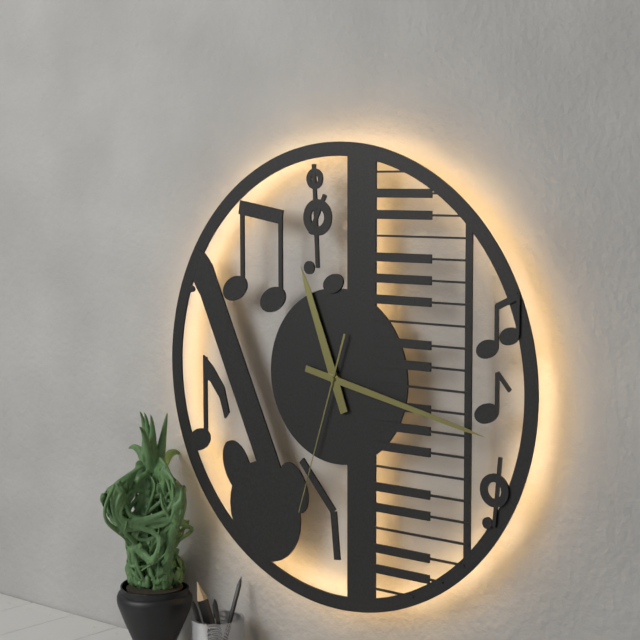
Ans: 11:17:33
